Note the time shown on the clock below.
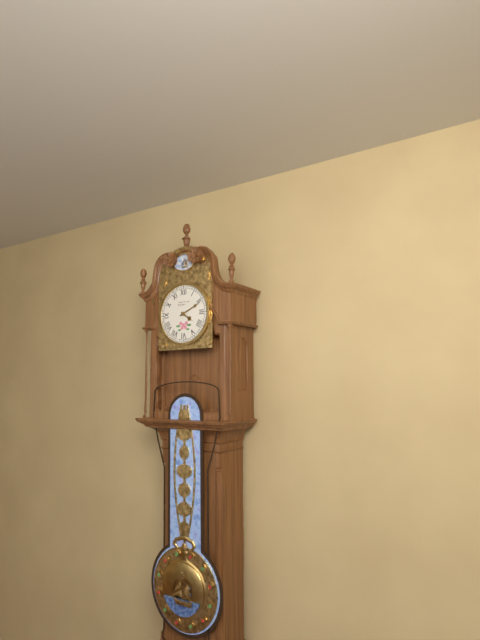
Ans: 4:11
